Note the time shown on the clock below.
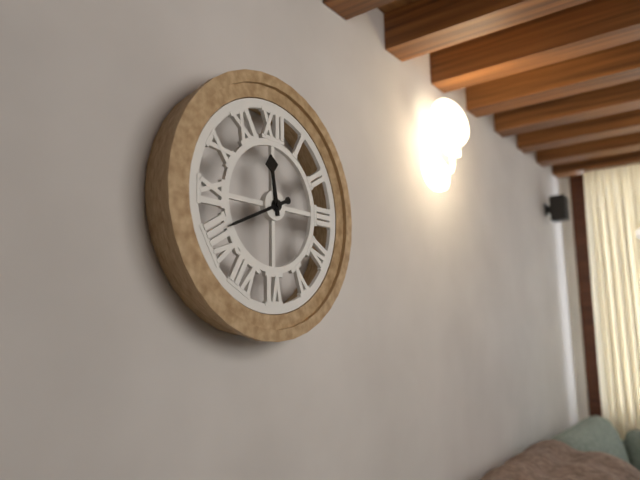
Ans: 11:41
